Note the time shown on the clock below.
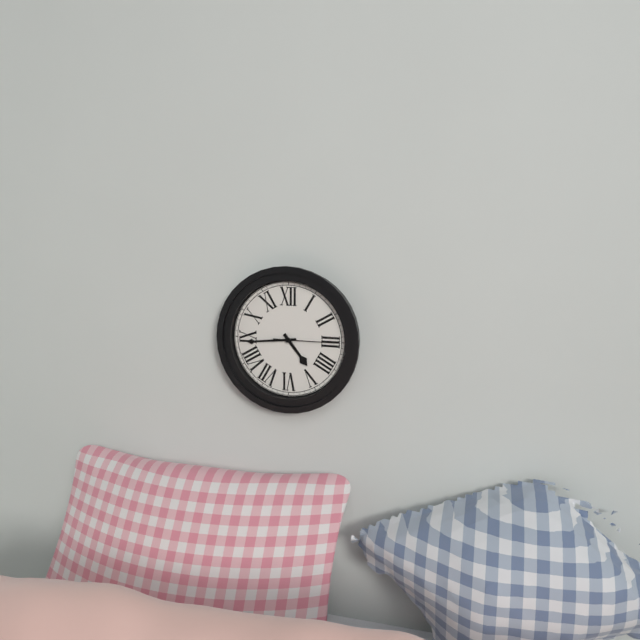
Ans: 4:44:15
